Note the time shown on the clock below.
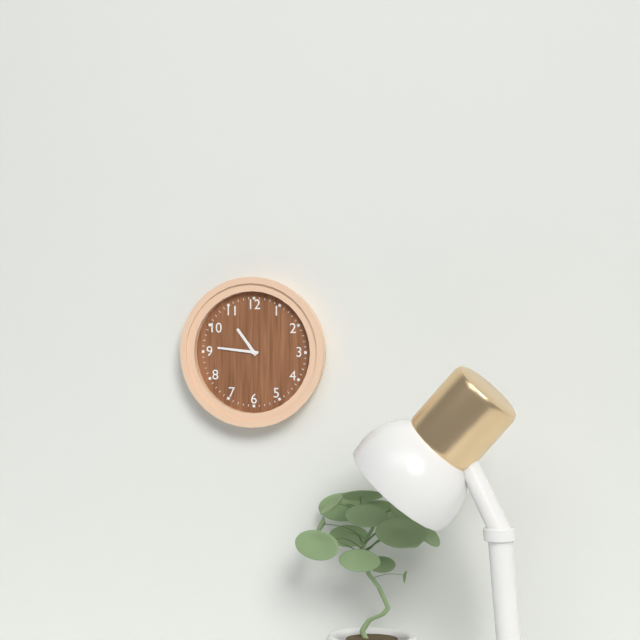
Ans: 10:46
